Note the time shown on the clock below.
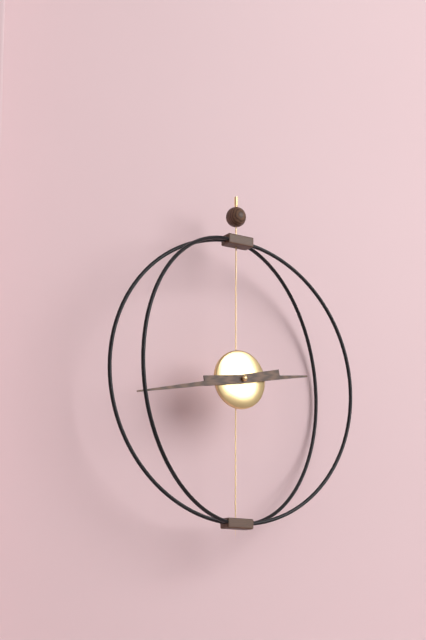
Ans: 2:43
